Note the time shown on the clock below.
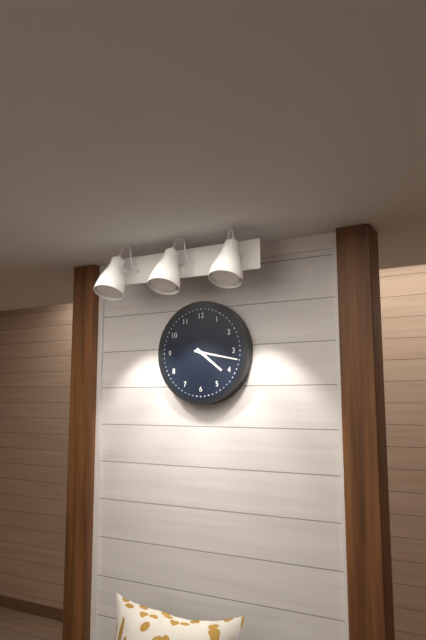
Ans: 4:17
